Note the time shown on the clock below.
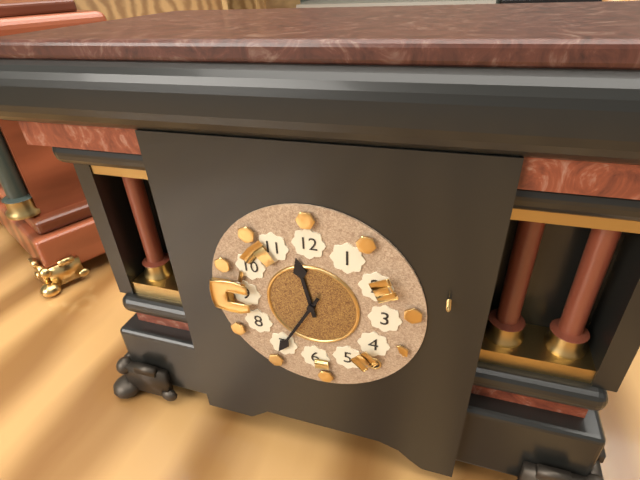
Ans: 11:35
